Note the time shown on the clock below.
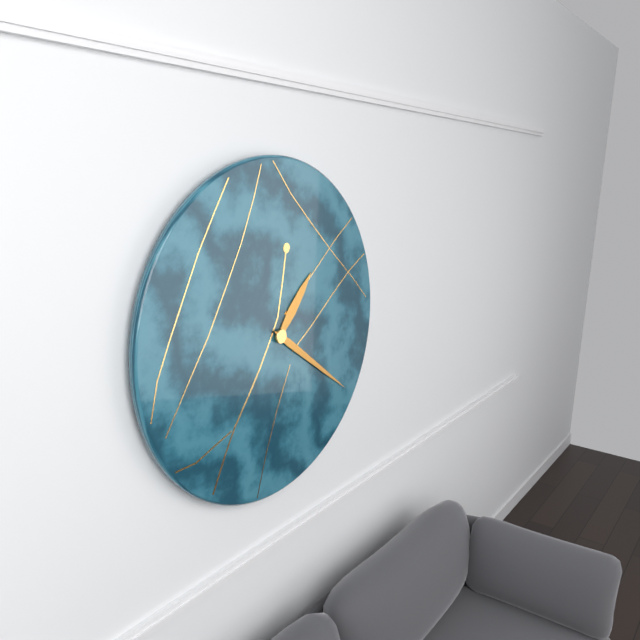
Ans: 1:21
